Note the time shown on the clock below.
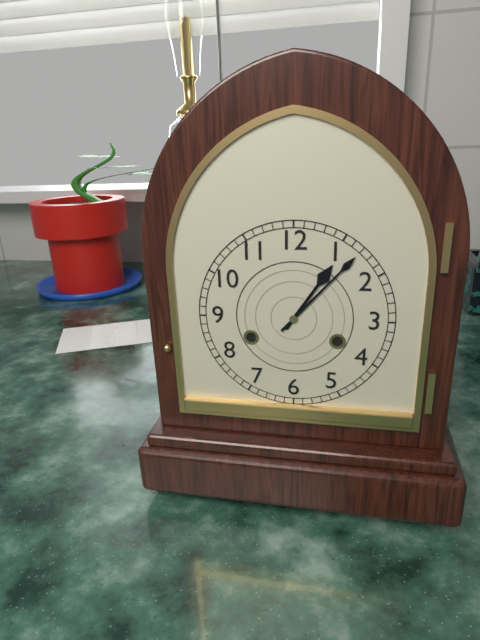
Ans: 1:07
